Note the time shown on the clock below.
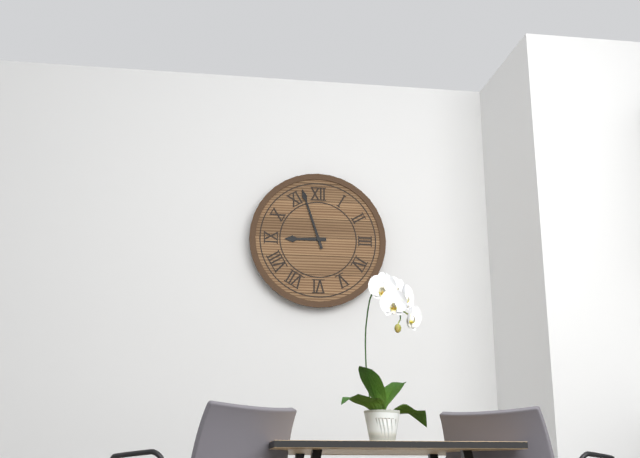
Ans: 8:57
